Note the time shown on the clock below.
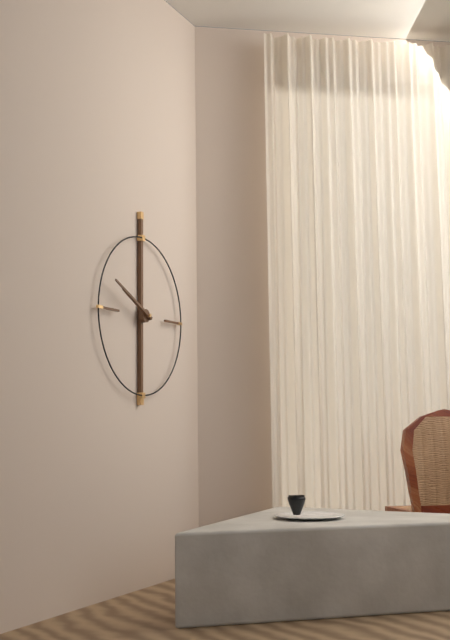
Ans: 9:49
